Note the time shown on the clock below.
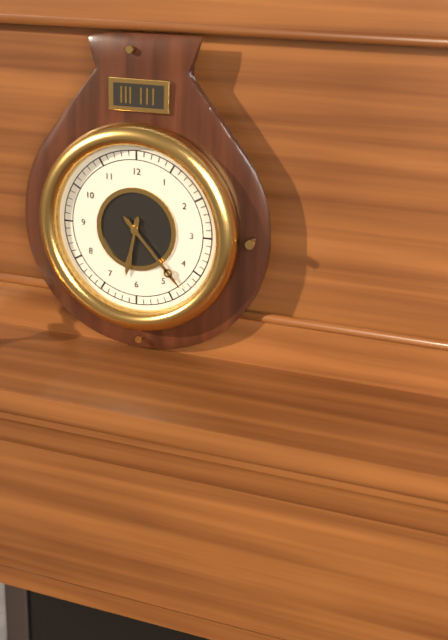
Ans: 6:23
